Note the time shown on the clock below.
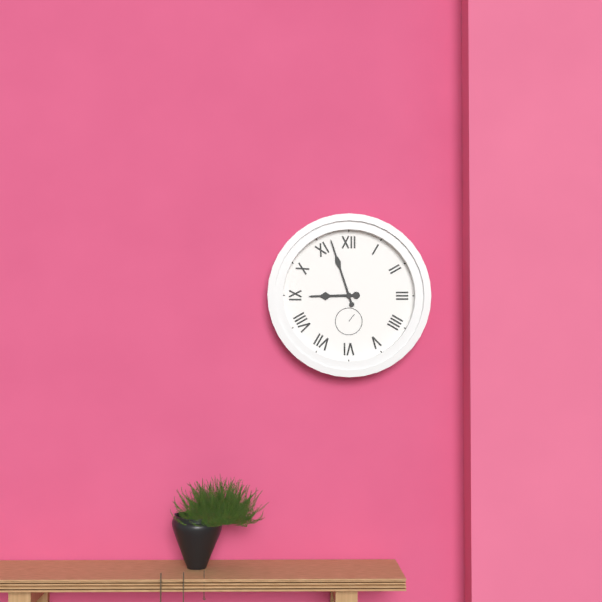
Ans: 8:57
